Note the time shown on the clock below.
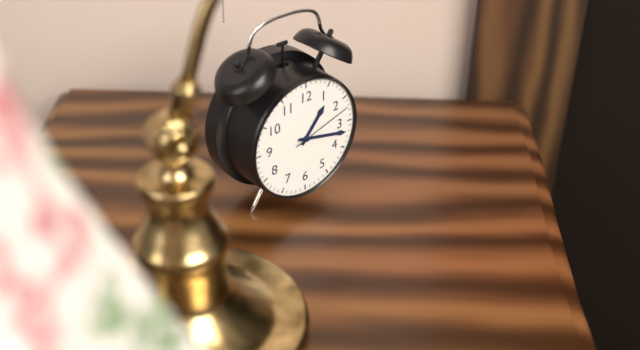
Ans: 1:17:12
